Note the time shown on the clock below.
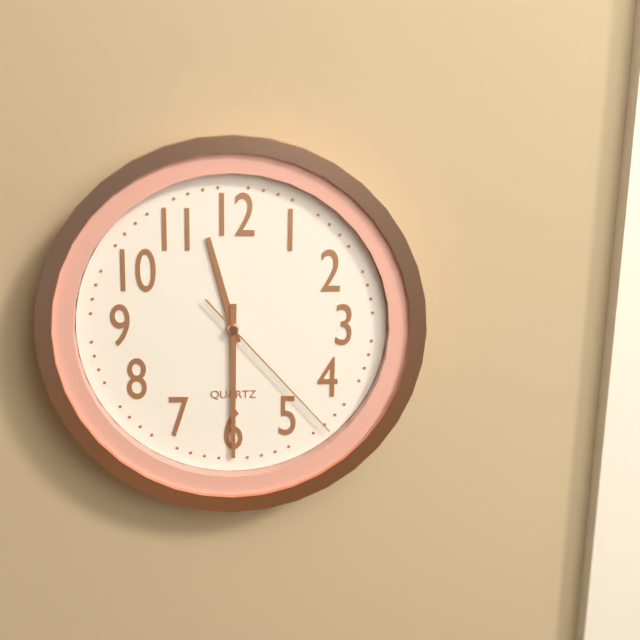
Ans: 11:30:23
